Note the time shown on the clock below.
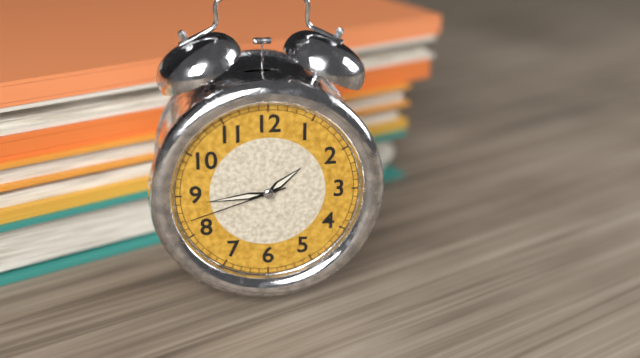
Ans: 1:44:42
